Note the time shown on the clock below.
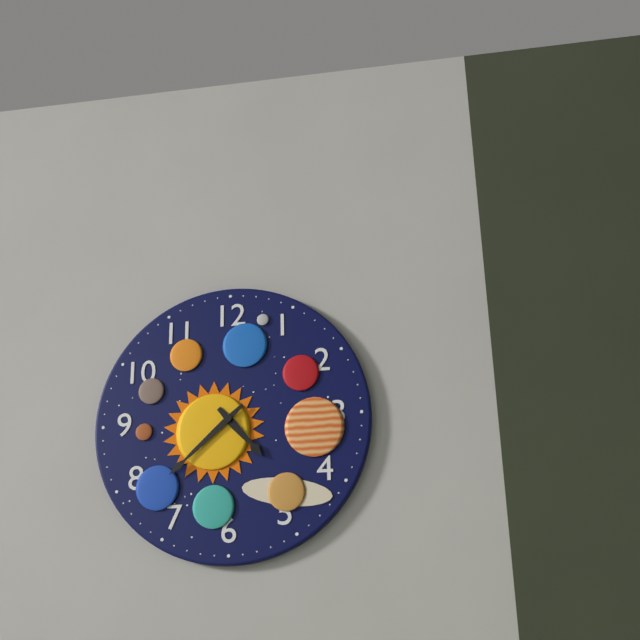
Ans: 4:38
